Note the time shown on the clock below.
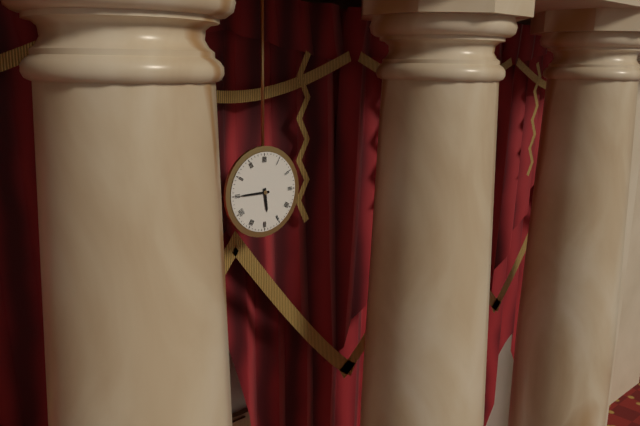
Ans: 5:45
